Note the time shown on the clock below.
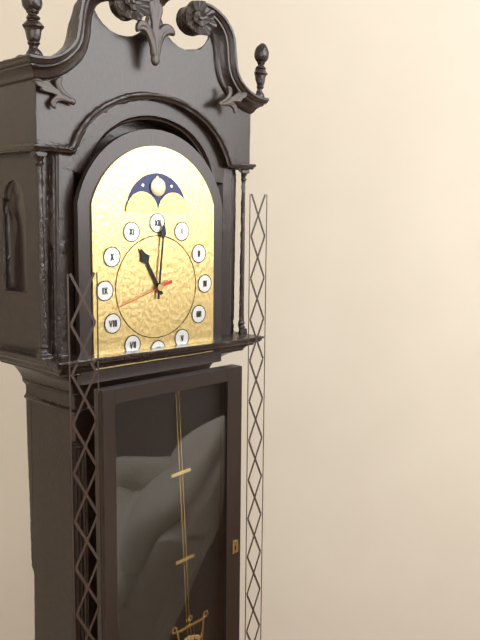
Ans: 11:01:42
